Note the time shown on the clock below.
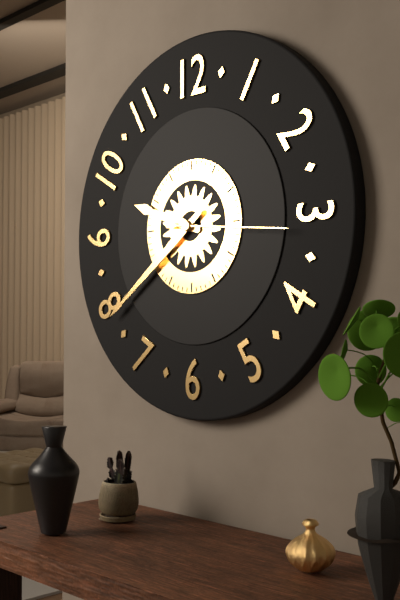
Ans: 9:39:16
